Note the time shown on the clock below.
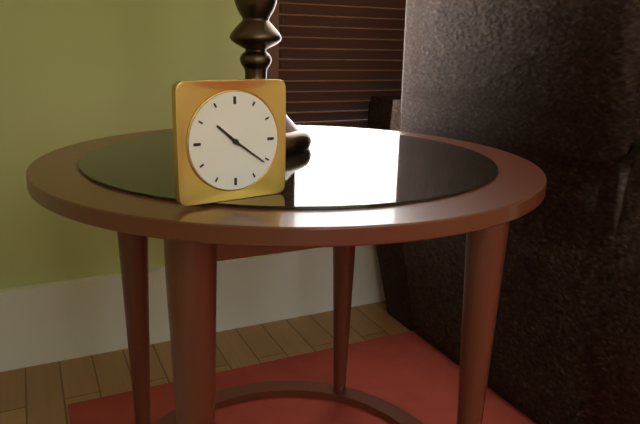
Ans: 10:21
